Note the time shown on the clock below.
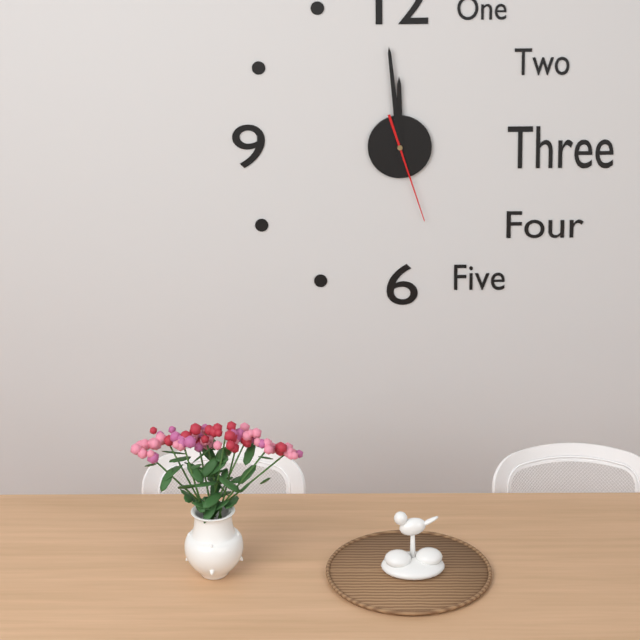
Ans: 11:59:27
